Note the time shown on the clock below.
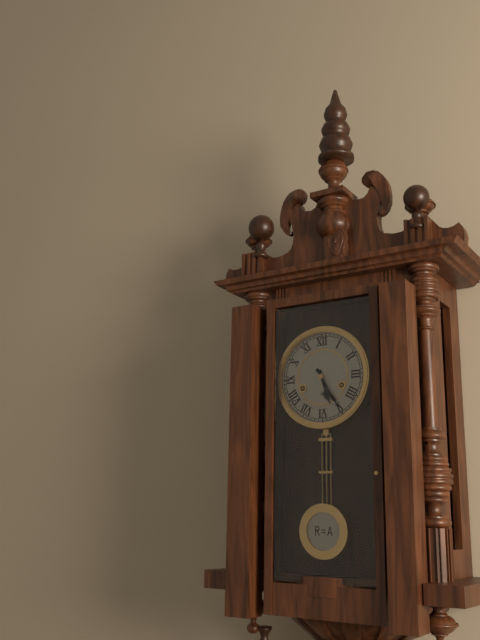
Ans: 5:25
